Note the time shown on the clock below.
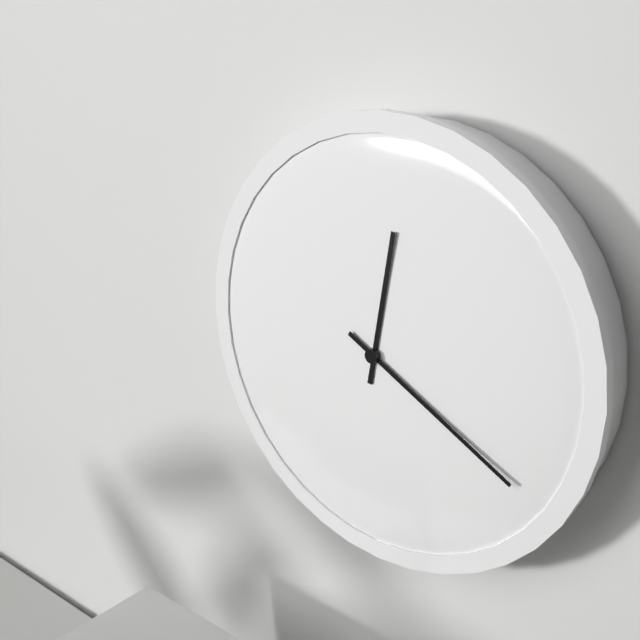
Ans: 12:20
